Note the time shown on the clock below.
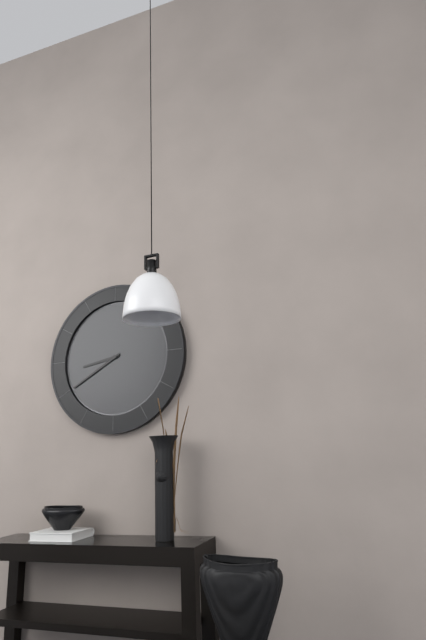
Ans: 8:40
